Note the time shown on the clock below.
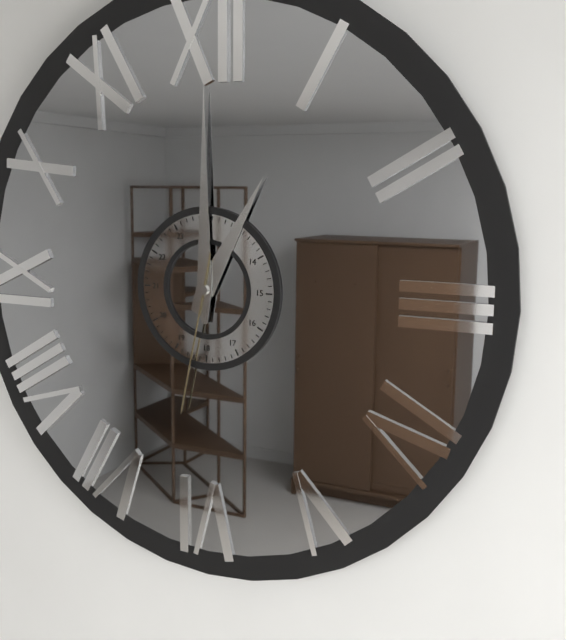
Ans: 1:00:32
